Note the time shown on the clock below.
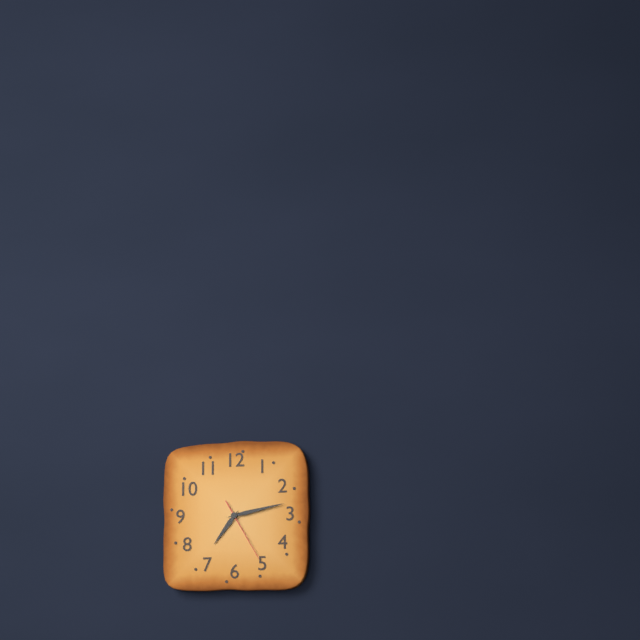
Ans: 7:13:25
